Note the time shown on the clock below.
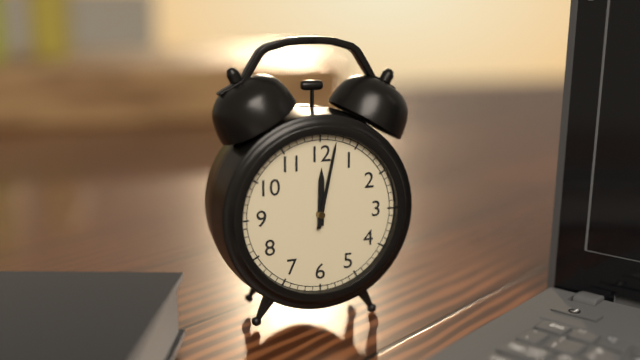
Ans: 12:02
